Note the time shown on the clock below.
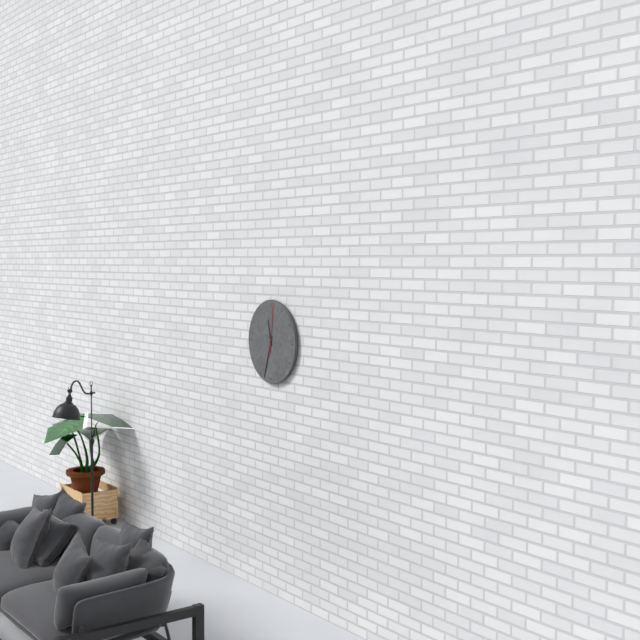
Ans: 11:33
